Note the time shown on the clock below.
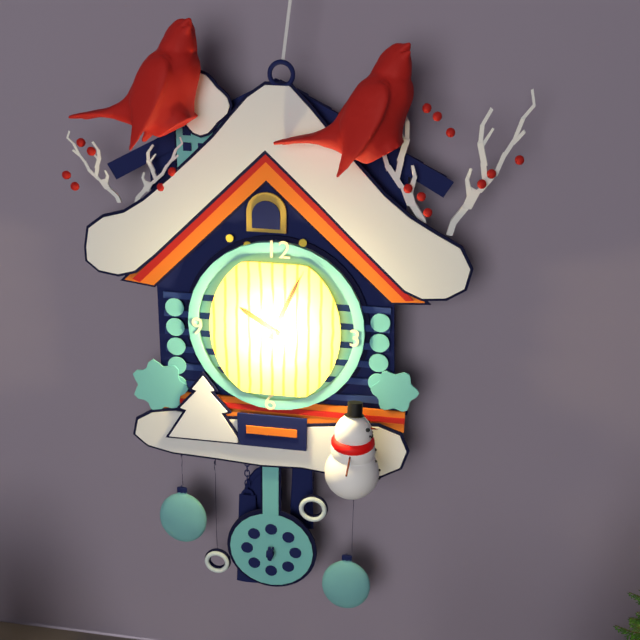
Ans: 10:04
